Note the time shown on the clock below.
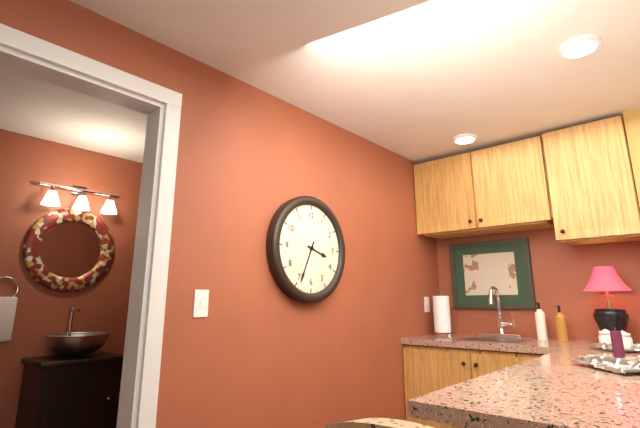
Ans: 3:34
